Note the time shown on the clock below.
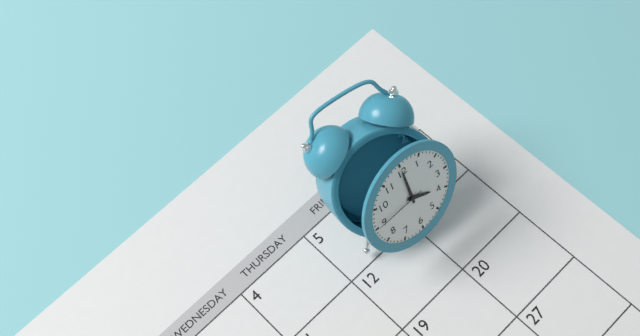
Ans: 4:00:45
